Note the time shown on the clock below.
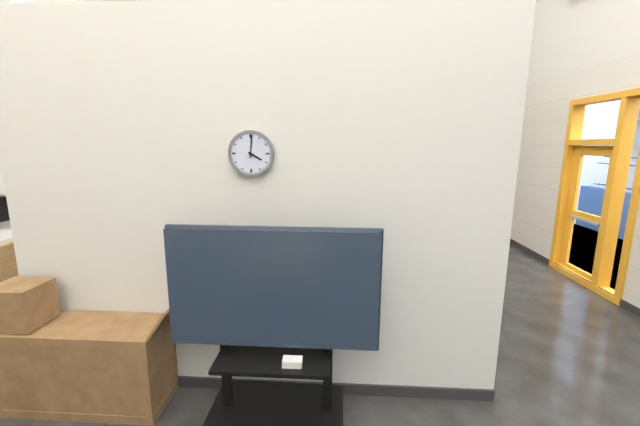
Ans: 4:01
